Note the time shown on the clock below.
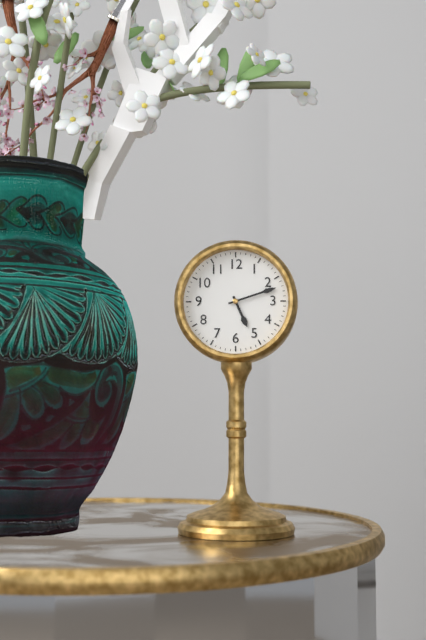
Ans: 5:12
